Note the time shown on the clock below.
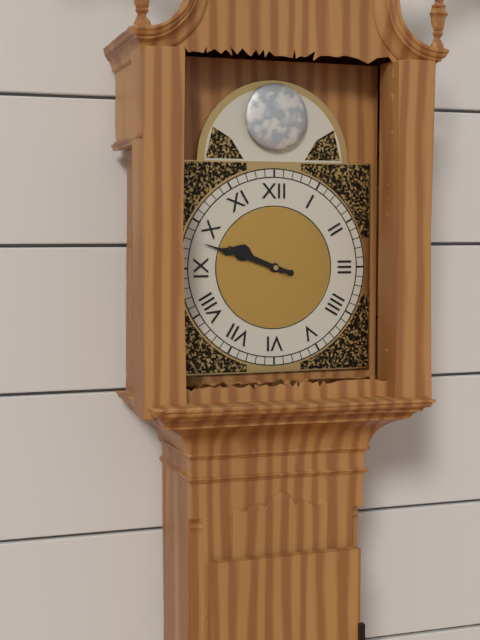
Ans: 9:48
